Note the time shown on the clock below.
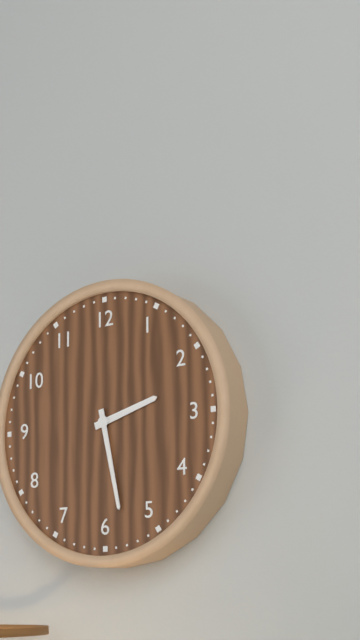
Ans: 2:28
